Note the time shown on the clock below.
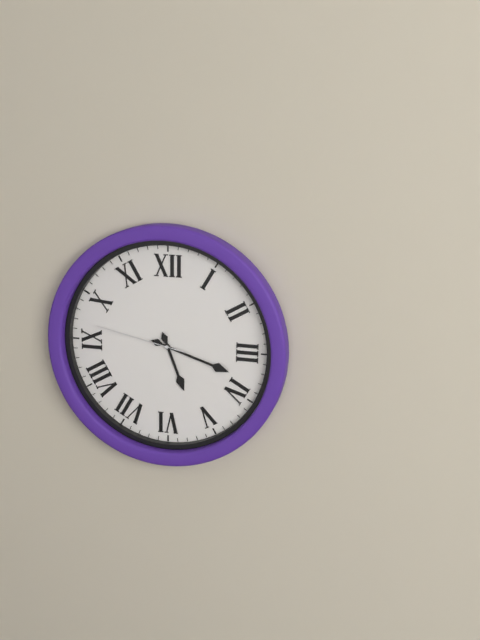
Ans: 5:18:47
